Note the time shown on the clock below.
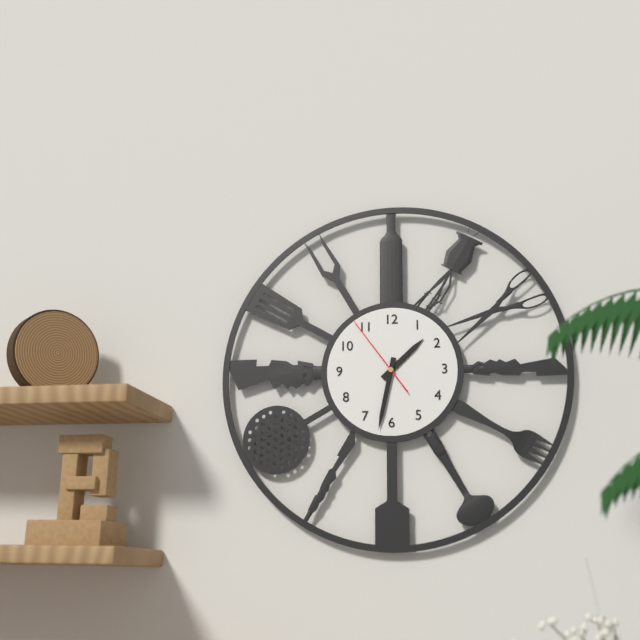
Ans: 1:32:54
